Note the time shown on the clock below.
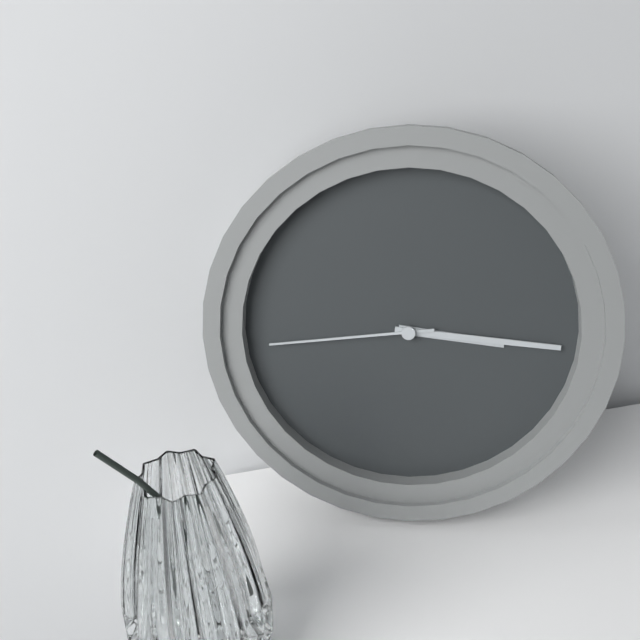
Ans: 3:16:44
